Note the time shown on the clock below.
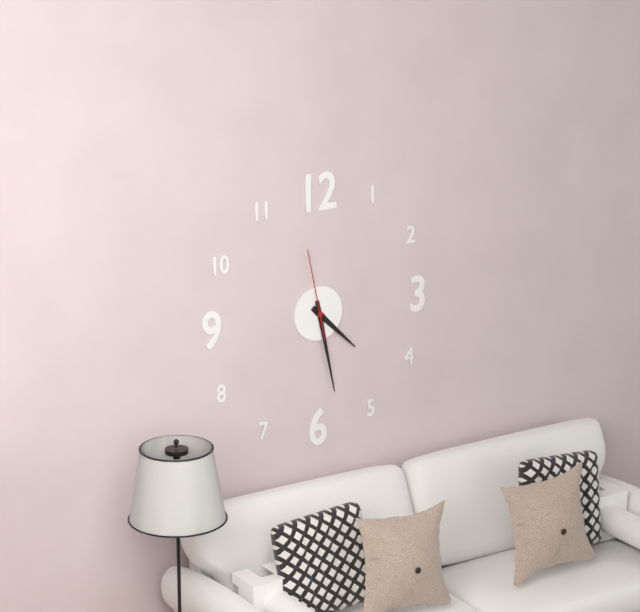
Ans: 4:28:58
